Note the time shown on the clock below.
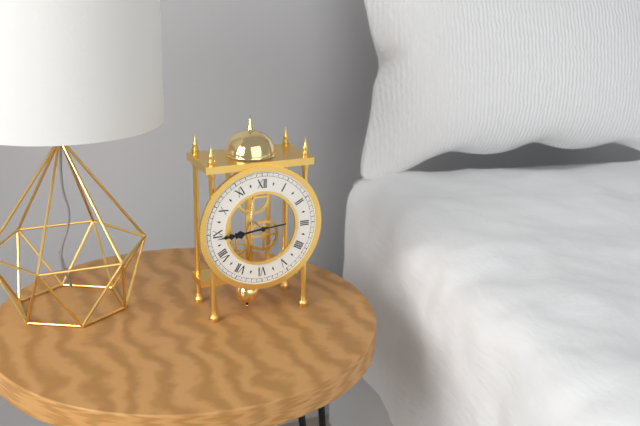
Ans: 8:44
